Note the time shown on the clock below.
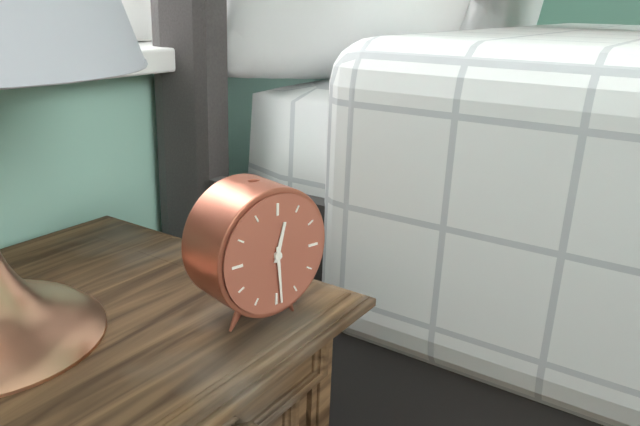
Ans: 12:29
